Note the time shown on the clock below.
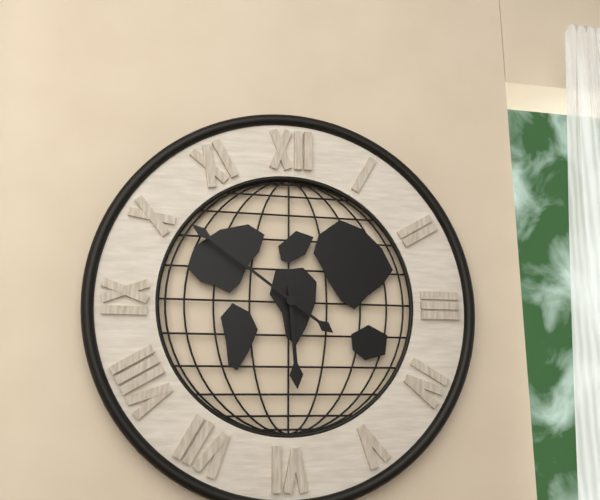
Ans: 5:51
